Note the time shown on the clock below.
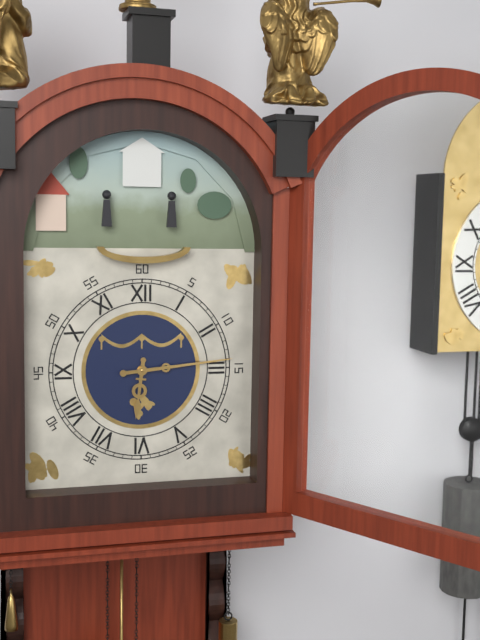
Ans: 6:14
